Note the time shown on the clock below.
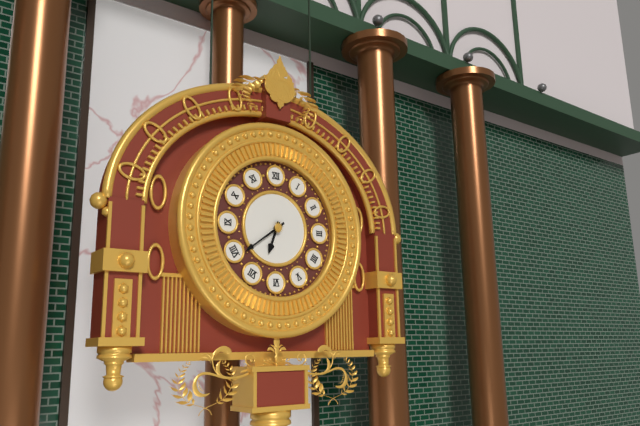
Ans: 6:39
